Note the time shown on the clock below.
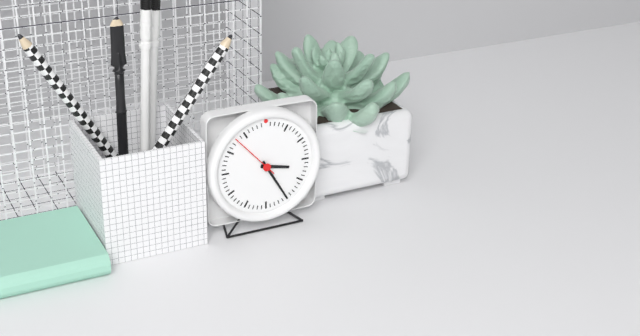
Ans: 3:25:53
